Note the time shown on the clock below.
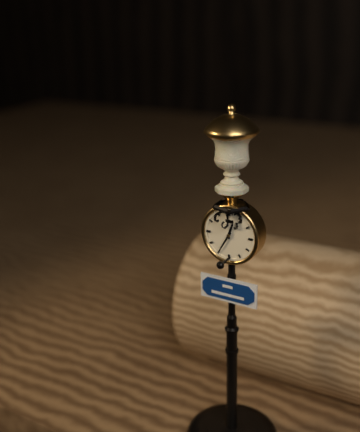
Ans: 12:35
